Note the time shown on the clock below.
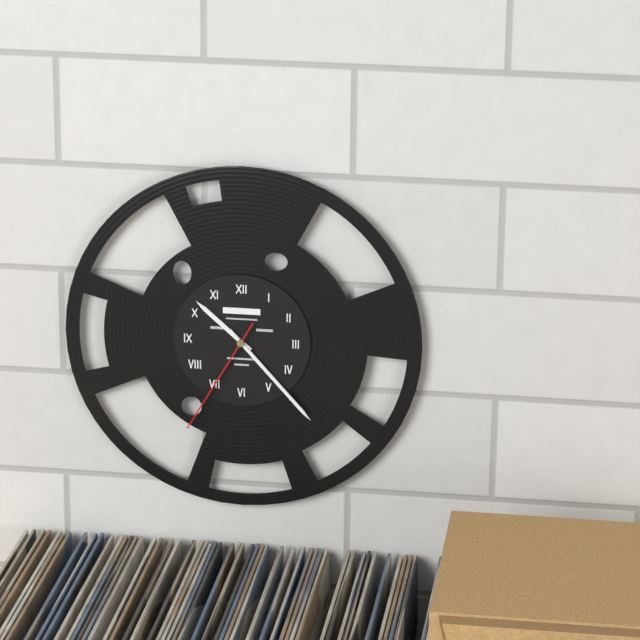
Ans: 10:23:35
